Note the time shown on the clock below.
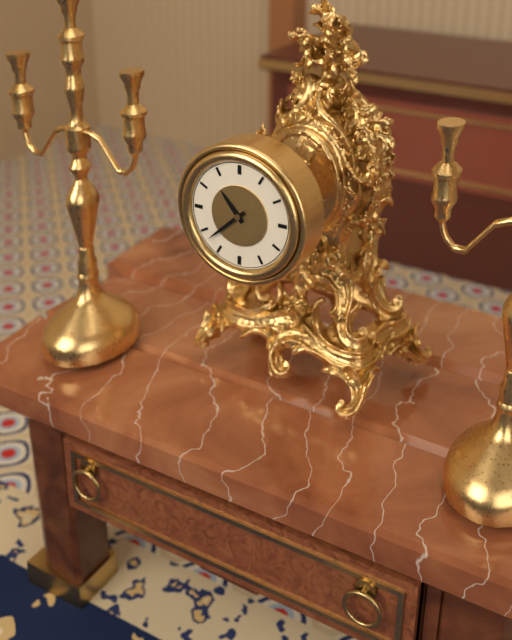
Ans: 10:38
